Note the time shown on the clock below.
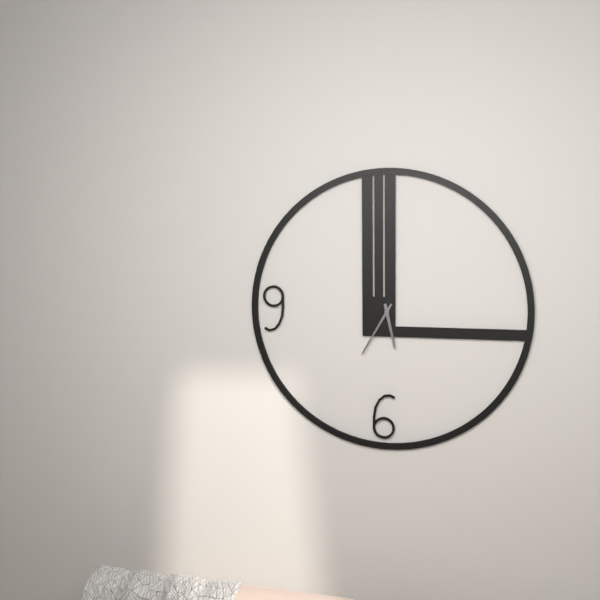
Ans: 5:35
